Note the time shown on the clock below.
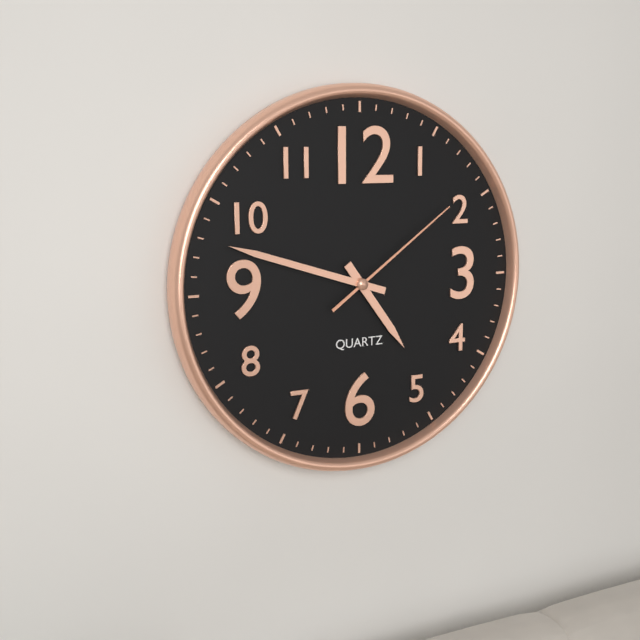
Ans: 4:48:09
